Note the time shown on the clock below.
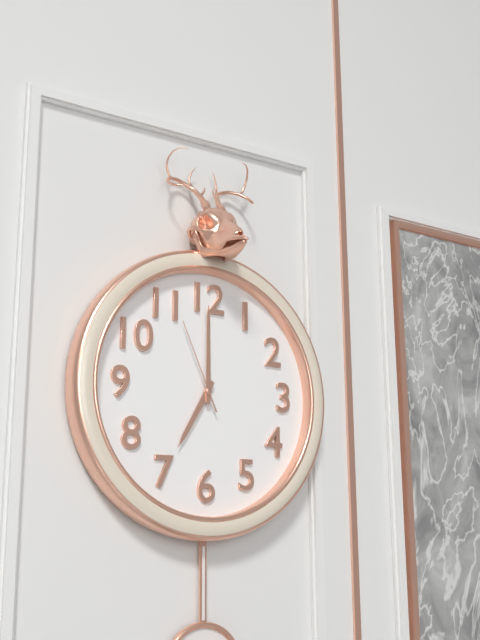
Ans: 7:00:56
